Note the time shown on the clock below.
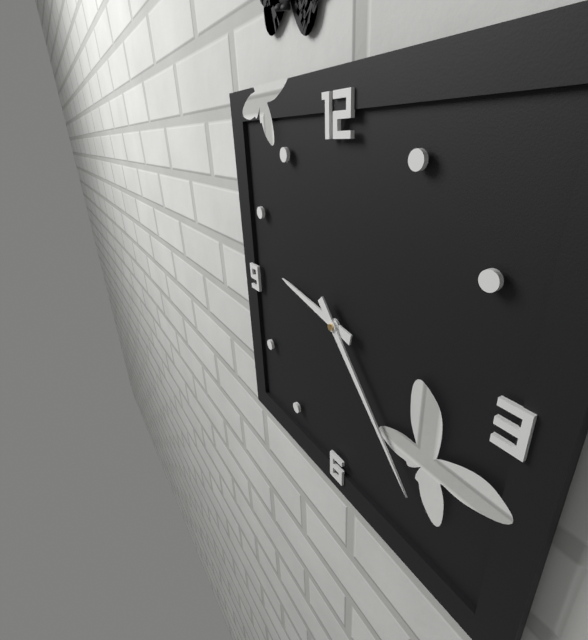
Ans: 9:23
